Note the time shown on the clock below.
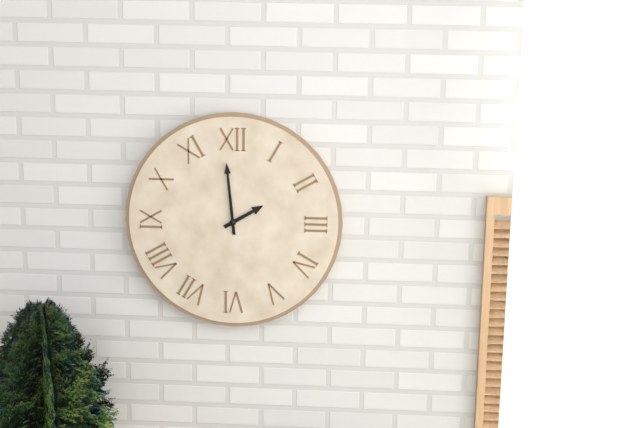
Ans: 1:59
